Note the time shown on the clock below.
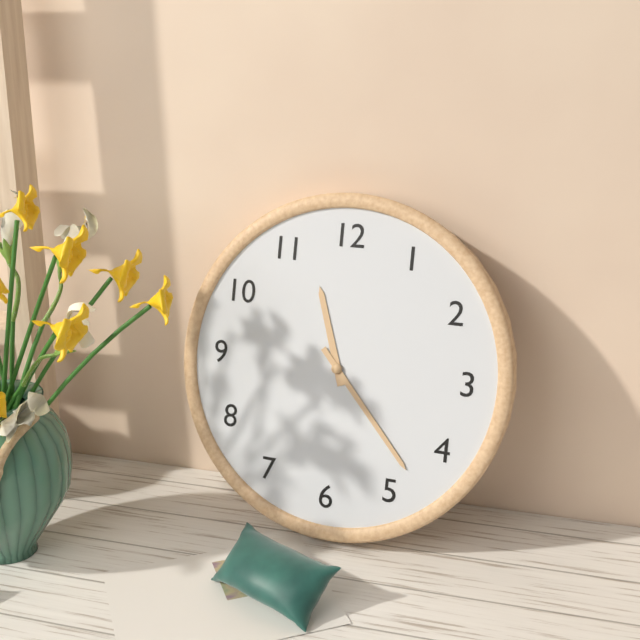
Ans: 11:23
